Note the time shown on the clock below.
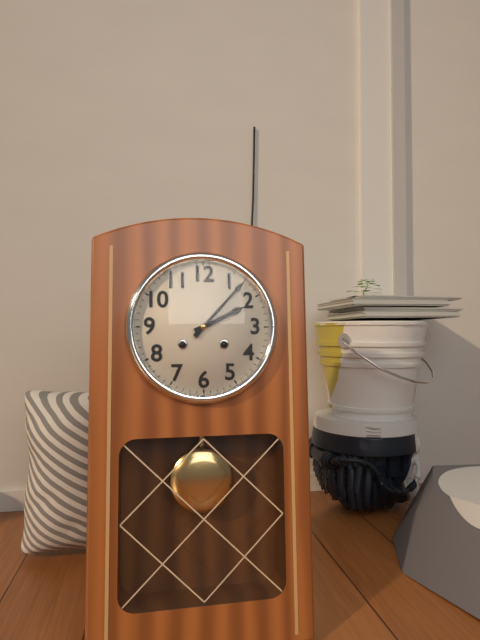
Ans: 2:07
